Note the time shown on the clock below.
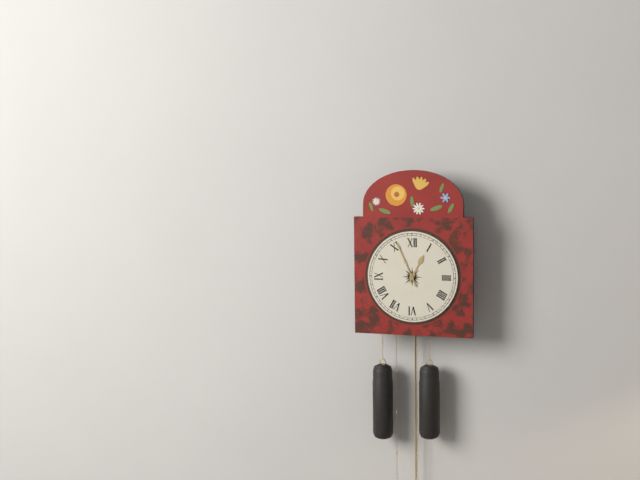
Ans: 12:56
